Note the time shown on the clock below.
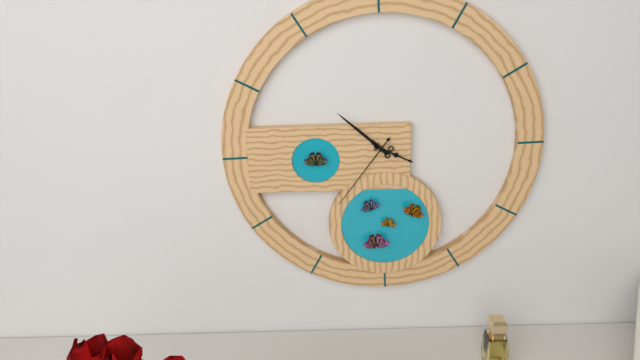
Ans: 3:52:36
